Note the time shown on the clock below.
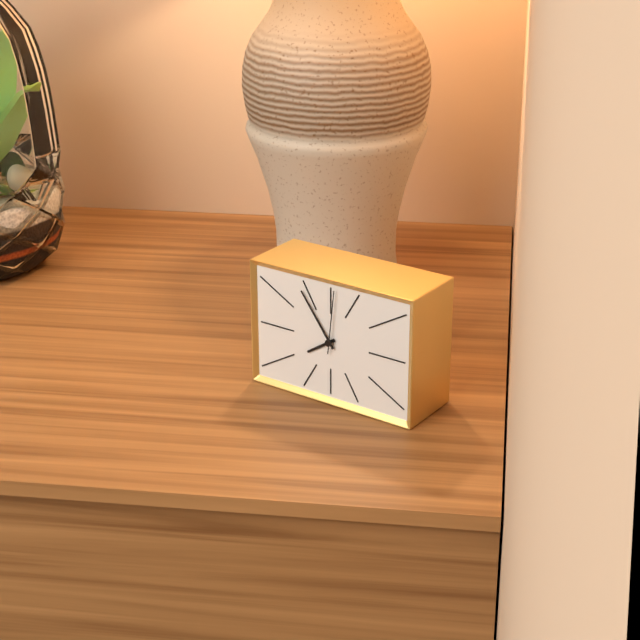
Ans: 7:54:01
